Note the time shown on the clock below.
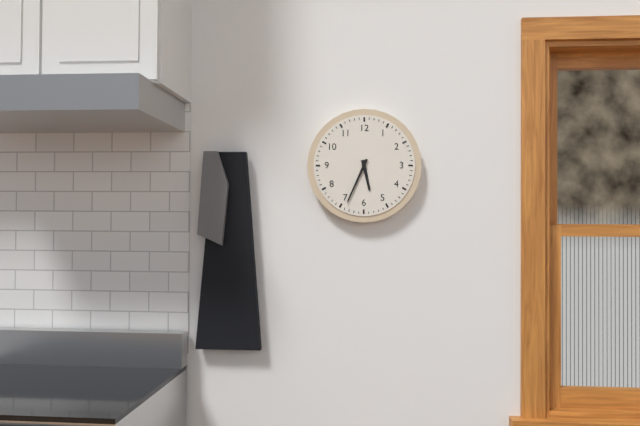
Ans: 5:34
